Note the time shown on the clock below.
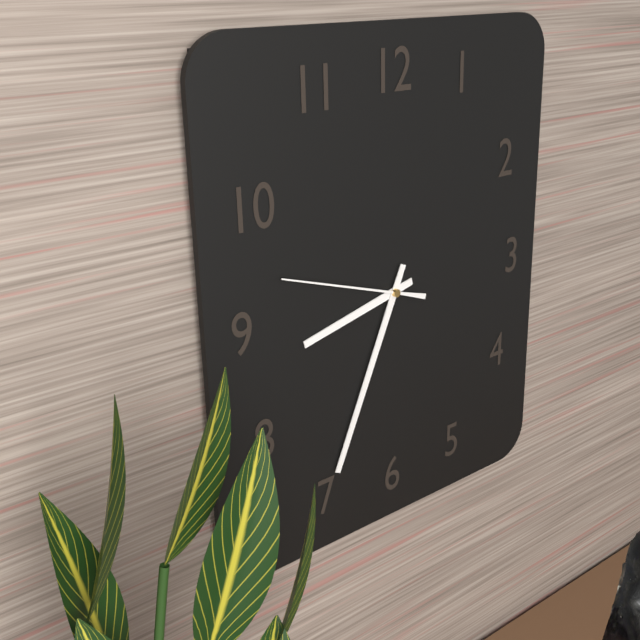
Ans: 8:34:48
